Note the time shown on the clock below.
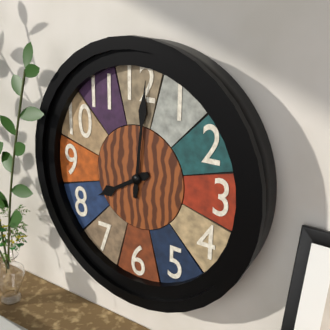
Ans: 8:01
